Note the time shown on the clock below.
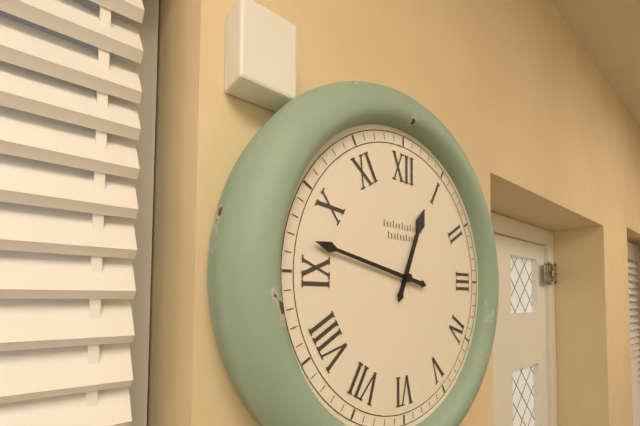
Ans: 12:47
